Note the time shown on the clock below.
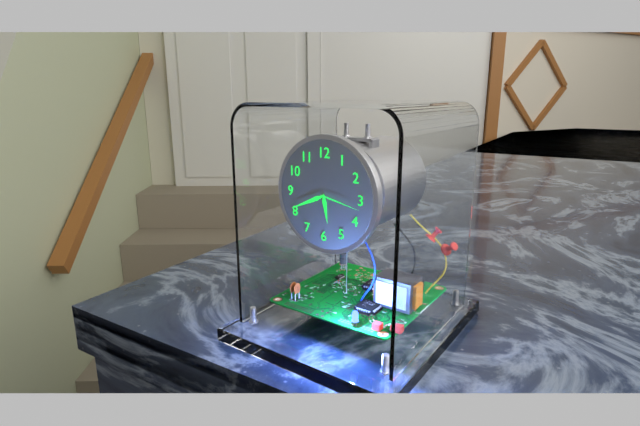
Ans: 5:41
